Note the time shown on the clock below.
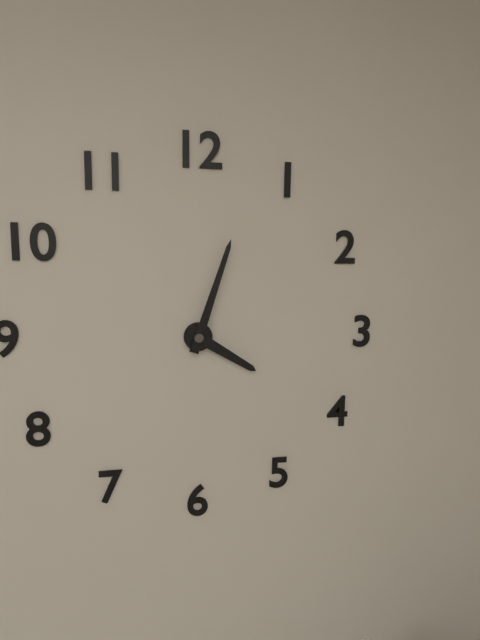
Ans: 4:03
